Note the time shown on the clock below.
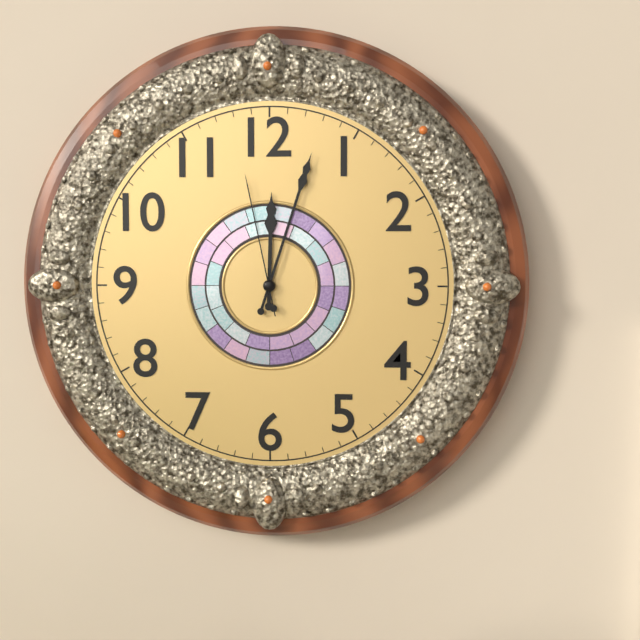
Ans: 12:03:58
